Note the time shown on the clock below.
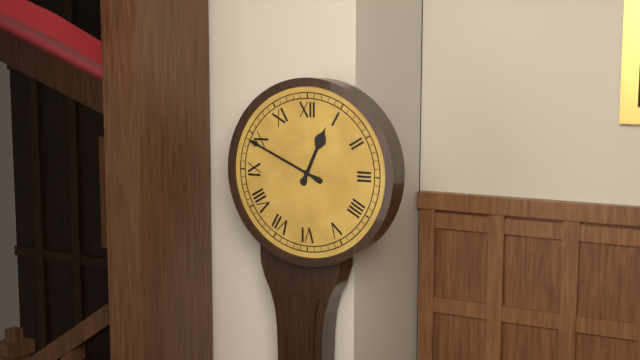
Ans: 12:49
